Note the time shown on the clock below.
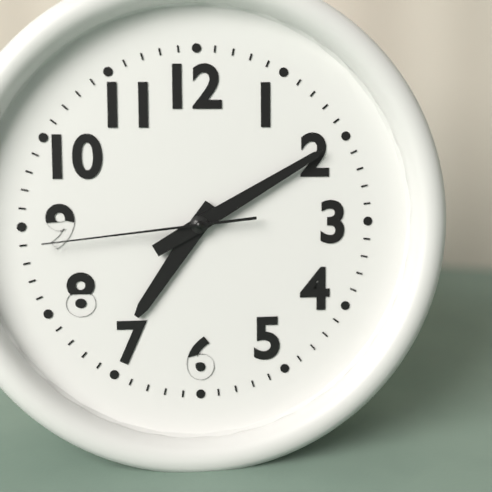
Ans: 7:10:44
